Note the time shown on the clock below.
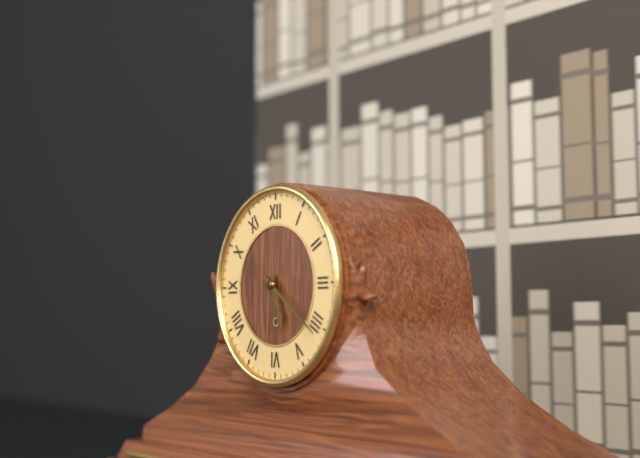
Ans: 5:21
